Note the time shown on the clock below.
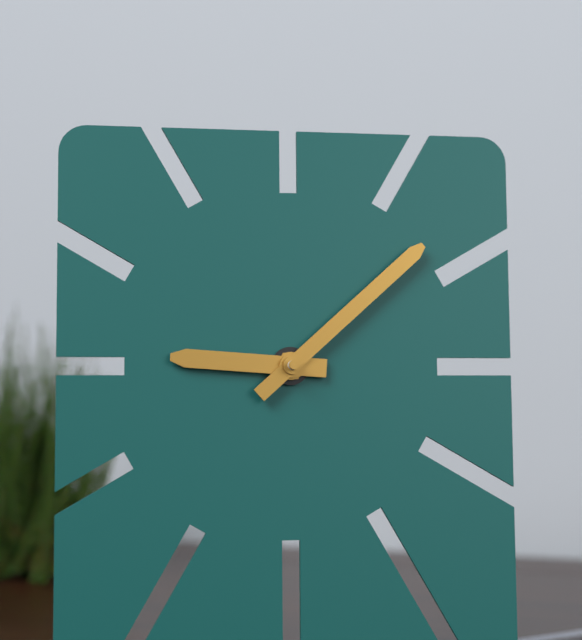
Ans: 9:08
